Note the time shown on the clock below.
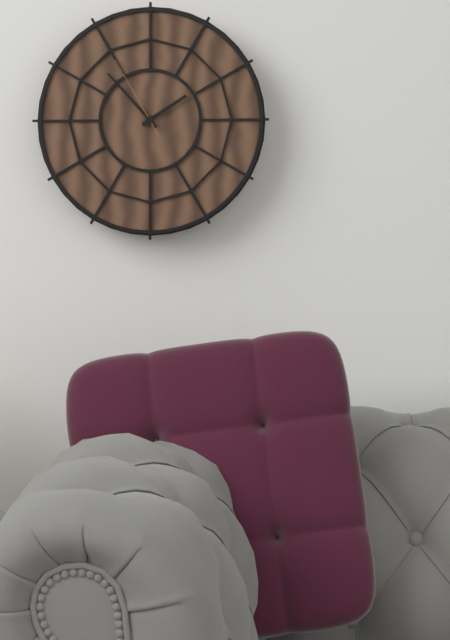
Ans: 1:53:55
